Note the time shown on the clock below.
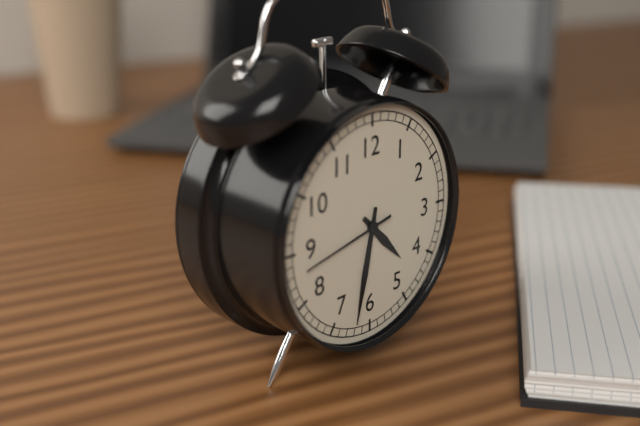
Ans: 4:32:43
